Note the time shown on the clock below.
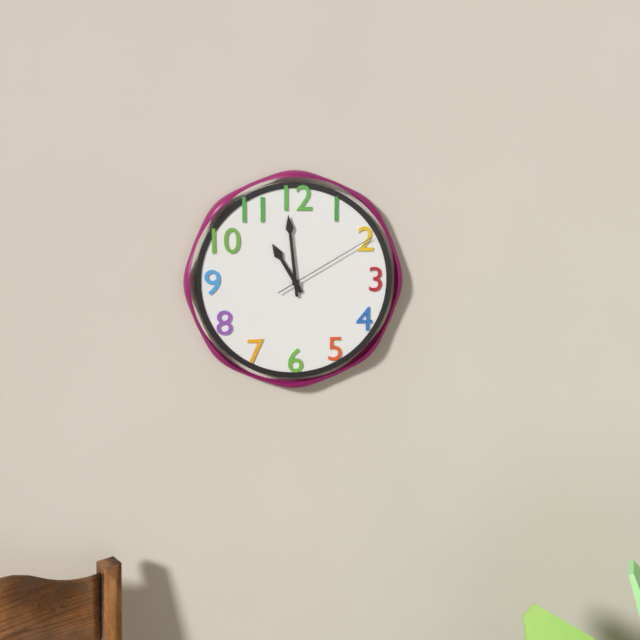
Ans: 10:59:10
